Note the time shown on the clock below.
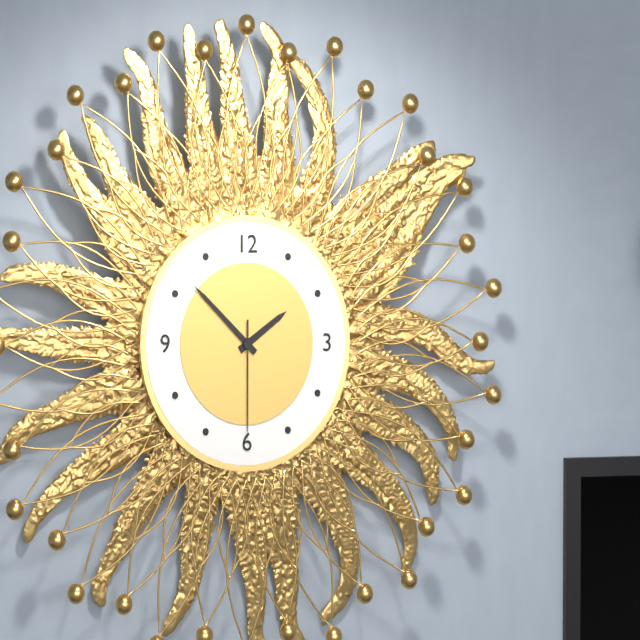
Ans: 1:52:30
